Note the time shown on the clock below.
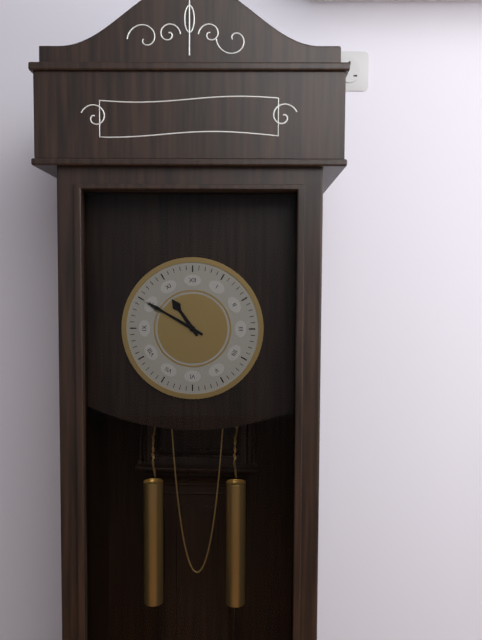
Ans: 10:50
